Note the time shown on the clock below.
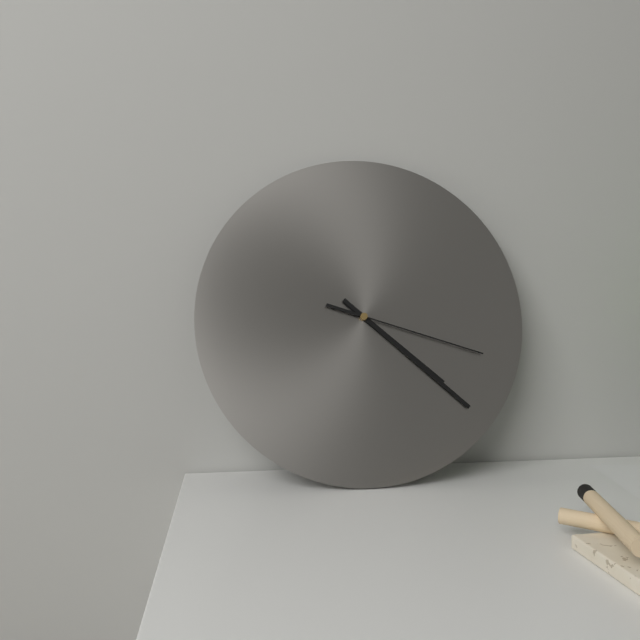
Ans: 4:22:18
